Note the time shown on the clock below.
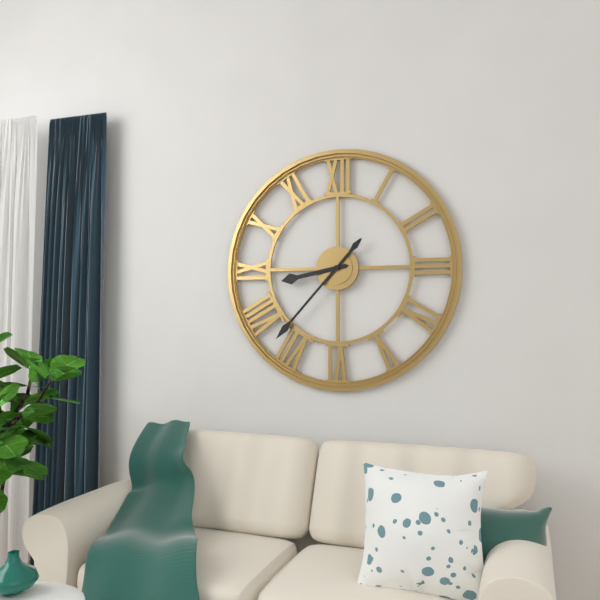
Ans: 8:37
